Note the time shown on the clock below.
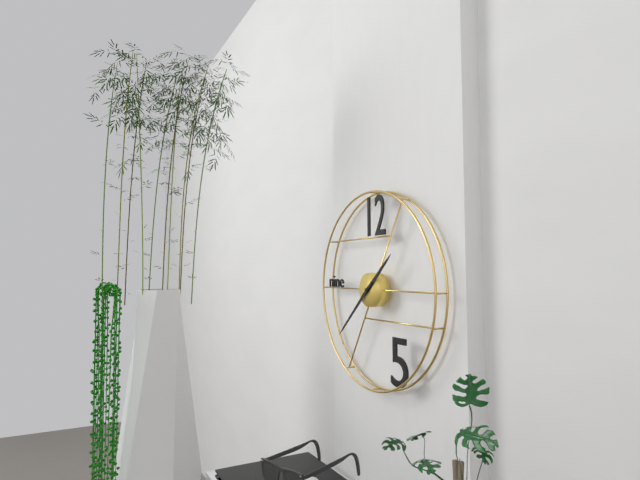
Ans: 1:38
